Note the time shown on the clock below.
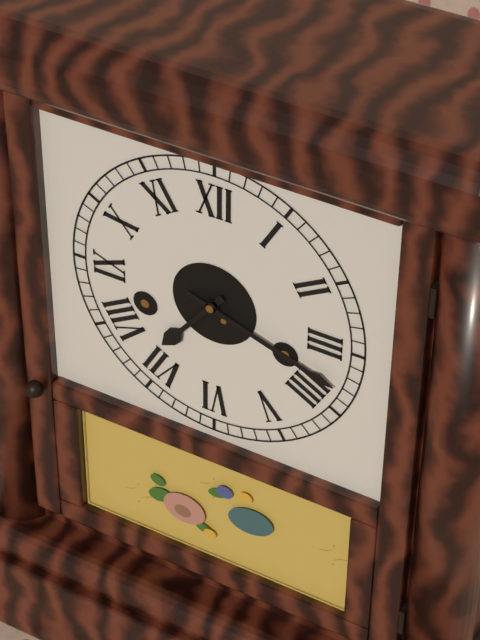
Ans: 7:18
